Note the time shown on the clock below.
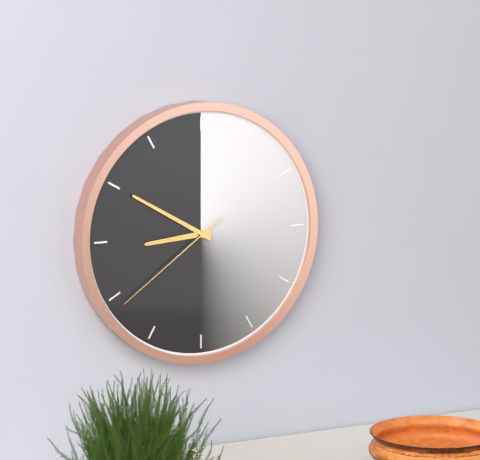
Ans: 8:50:39
